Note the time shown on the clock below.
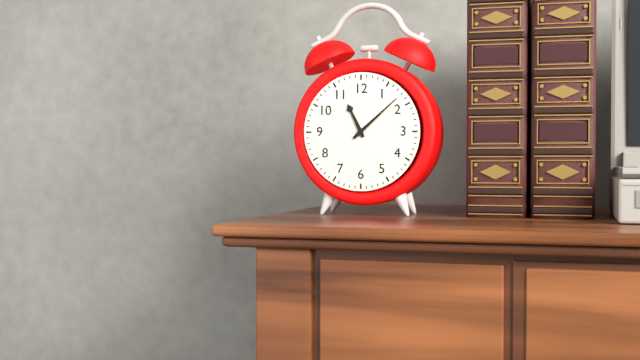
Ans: 11:08
